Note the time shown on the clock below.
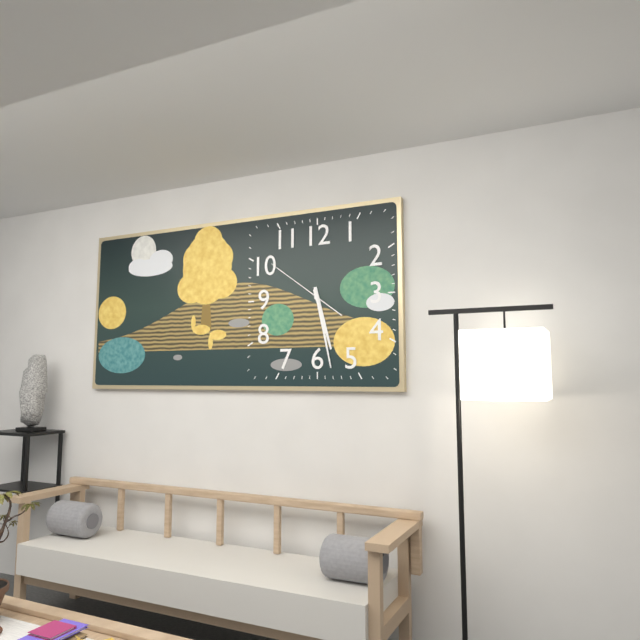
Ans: 5:28:51
